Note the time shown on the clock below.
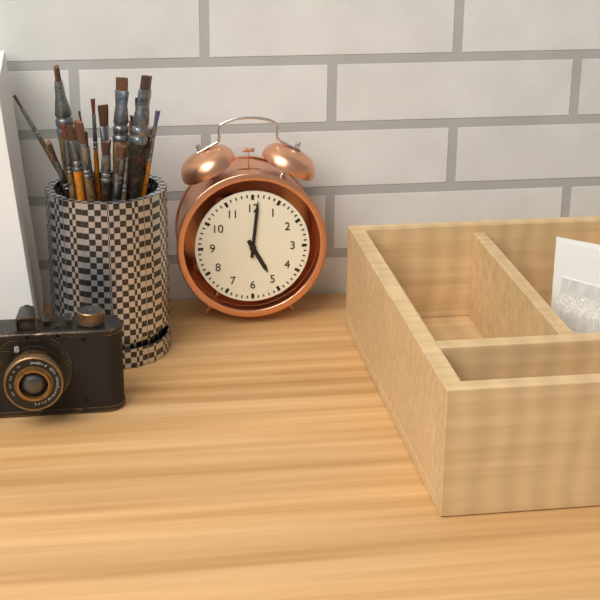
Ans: 5:01
